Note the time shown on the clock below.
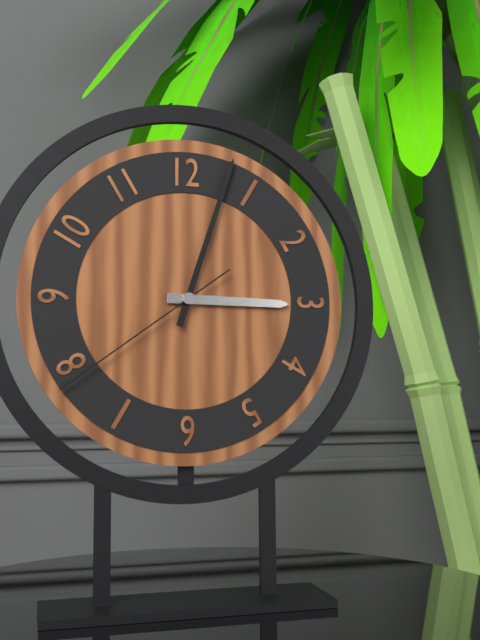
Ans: 3:03:39
